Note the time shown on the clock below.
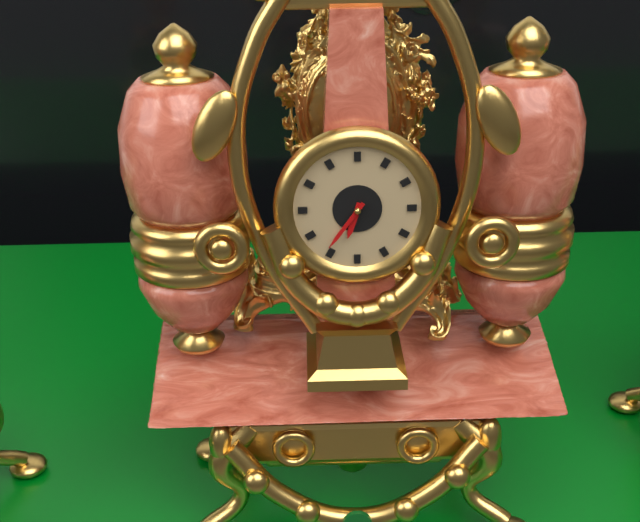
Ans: 6:36
